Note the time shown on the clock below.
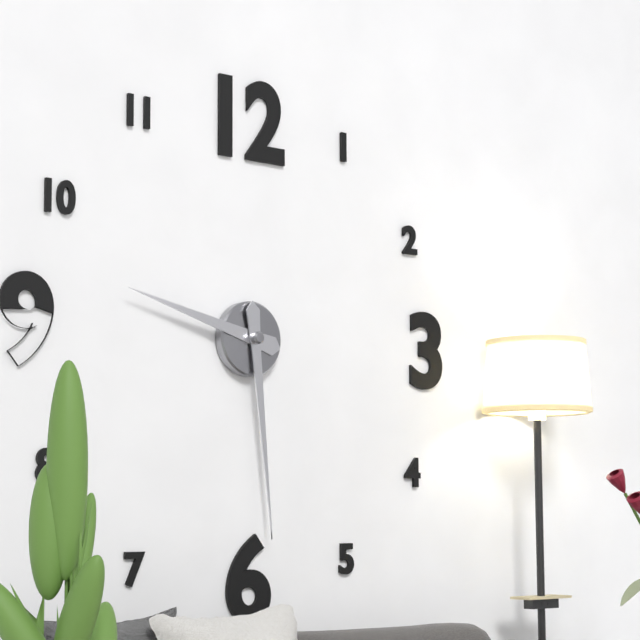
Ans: 9:29
